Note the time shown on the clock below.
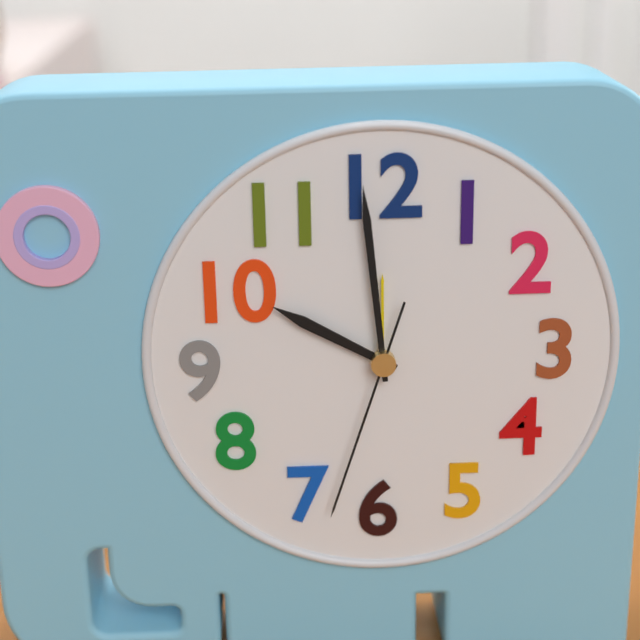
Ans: 9:59:33
